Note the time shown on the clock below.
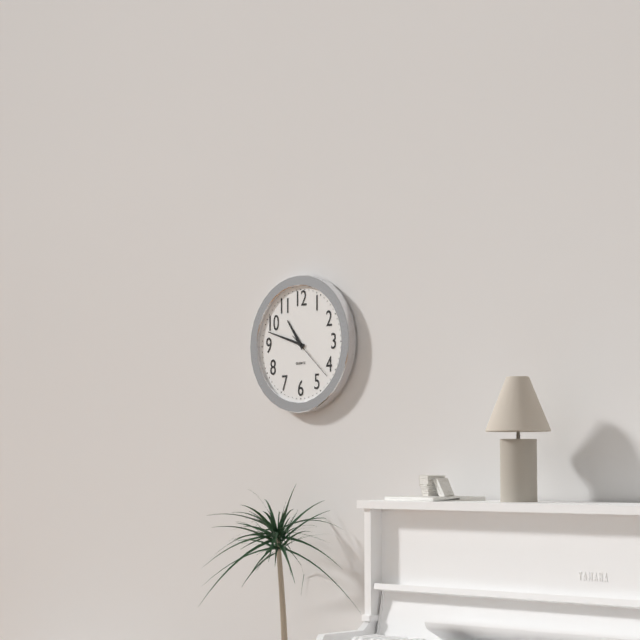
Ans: 10:48:22
